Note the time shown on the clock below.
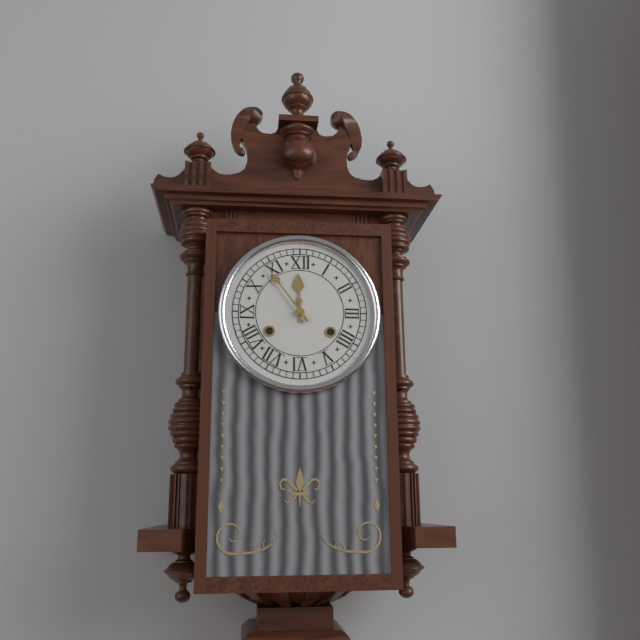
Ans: 11:54
